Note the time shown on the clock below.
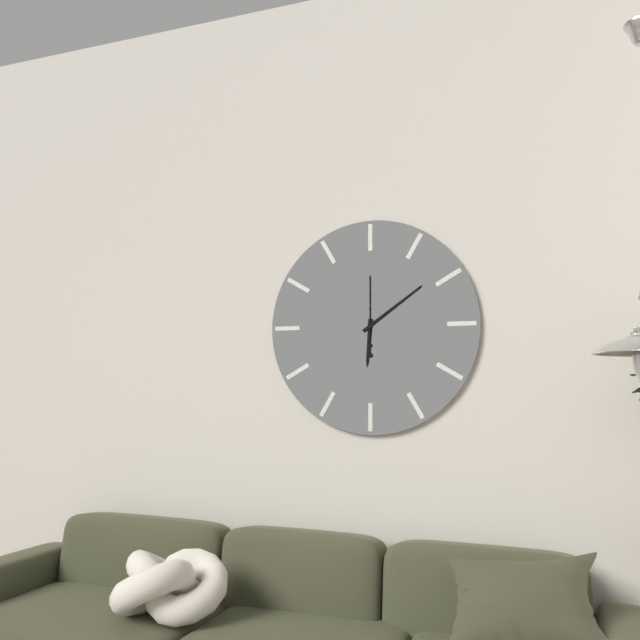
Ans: 6:09:00
